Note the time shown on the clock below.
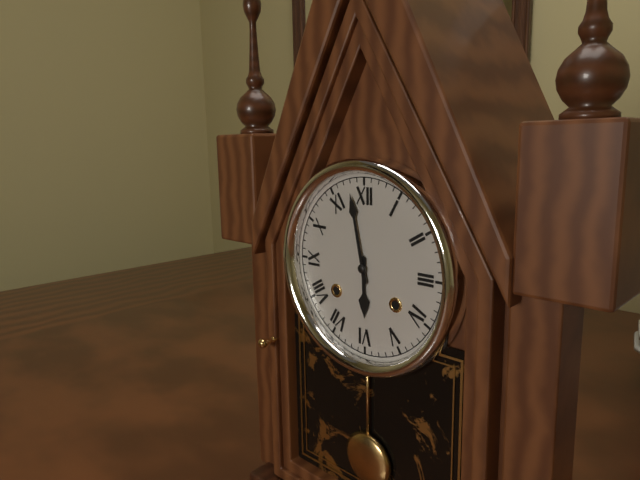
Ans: 5:58
